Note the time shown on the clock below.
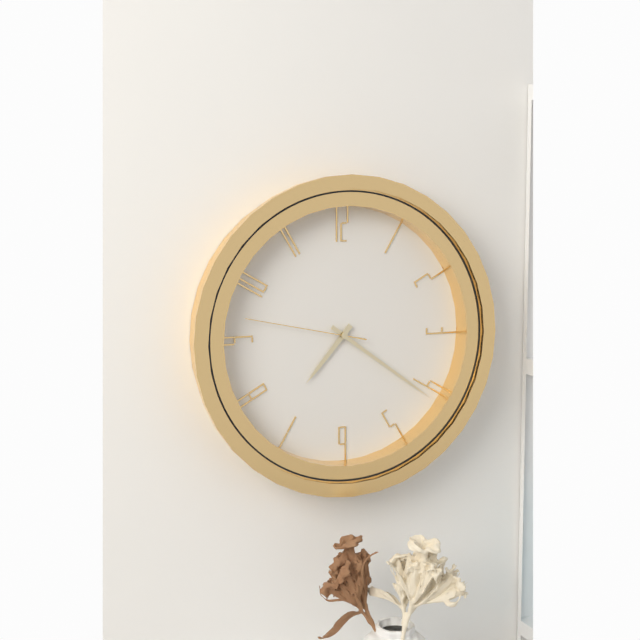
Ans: 7:21:47
